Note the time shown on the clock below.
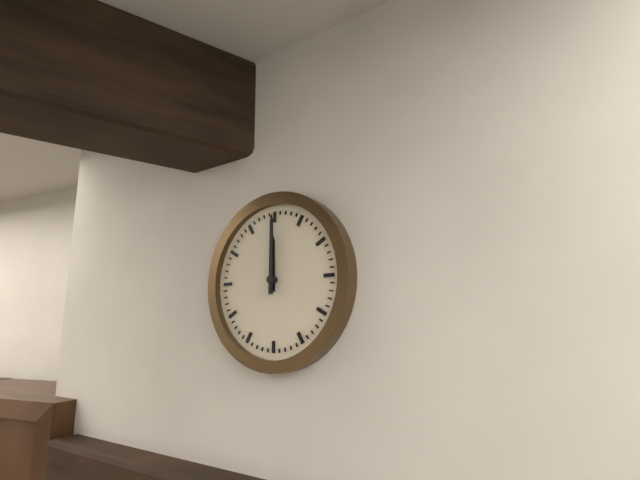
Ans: 12:00
